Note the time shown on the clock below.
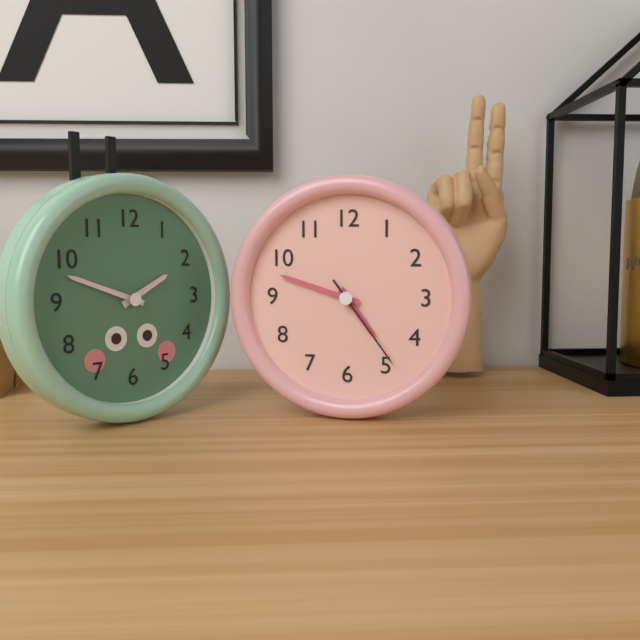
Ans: 4:48:24
